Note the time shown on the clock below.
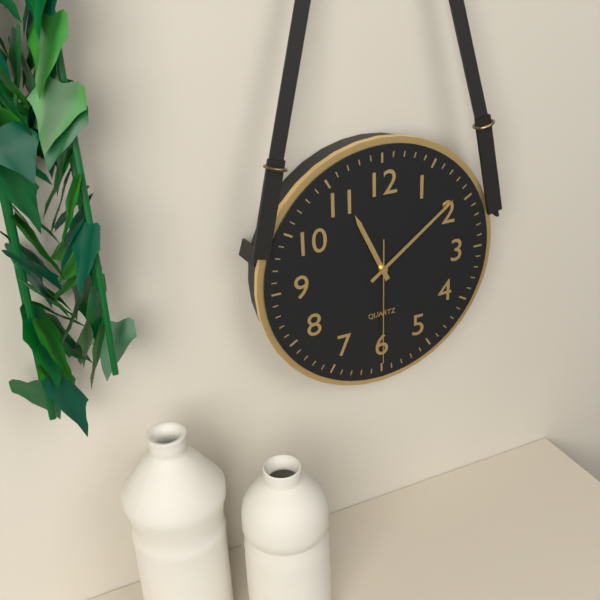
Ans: 11:09:30
